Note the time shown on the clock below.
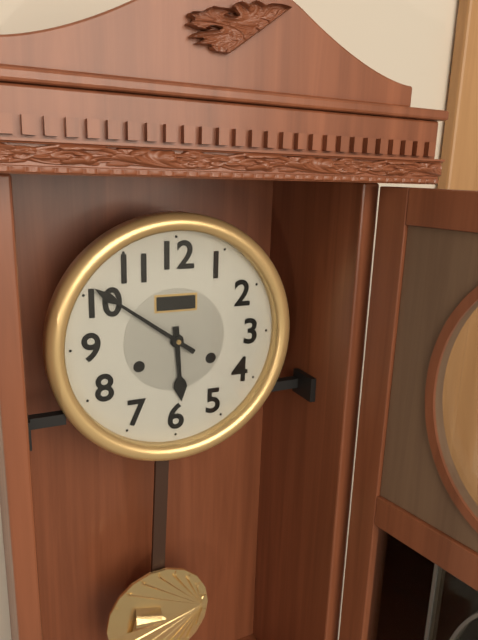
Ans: 5:51
